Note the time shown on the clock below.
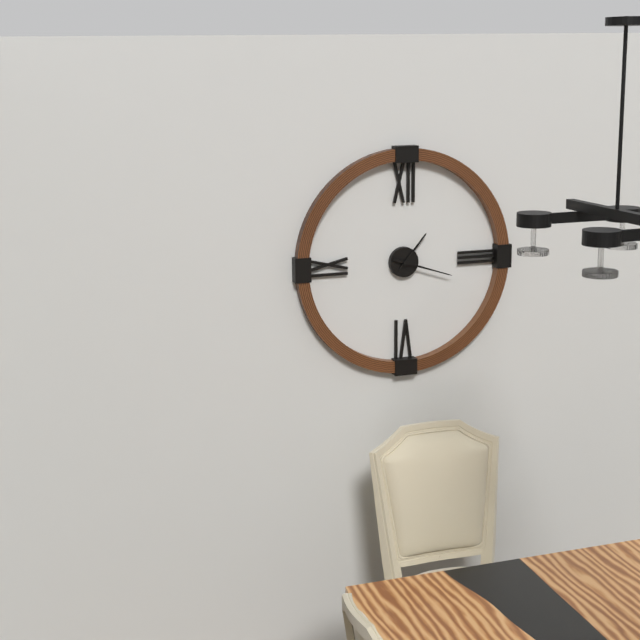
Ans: 1:18
